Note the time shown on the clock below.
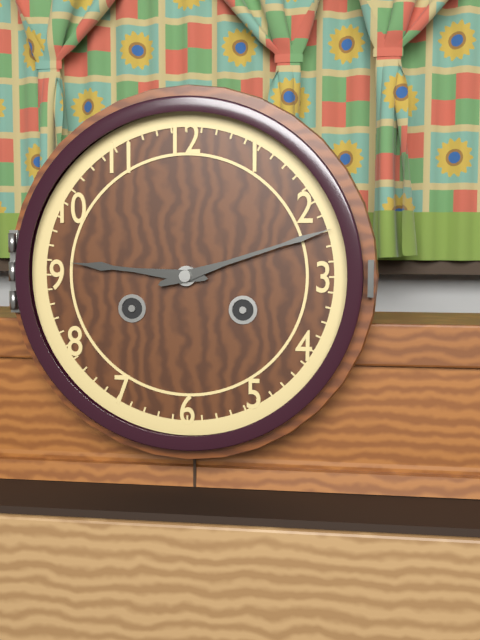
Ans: 9:12
